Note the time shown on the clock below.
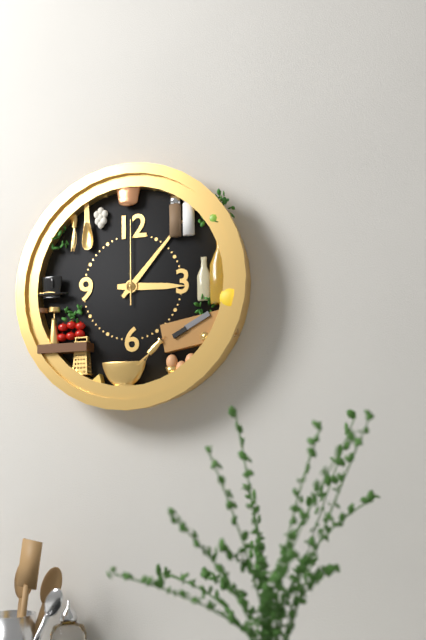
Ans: 3:07:00
